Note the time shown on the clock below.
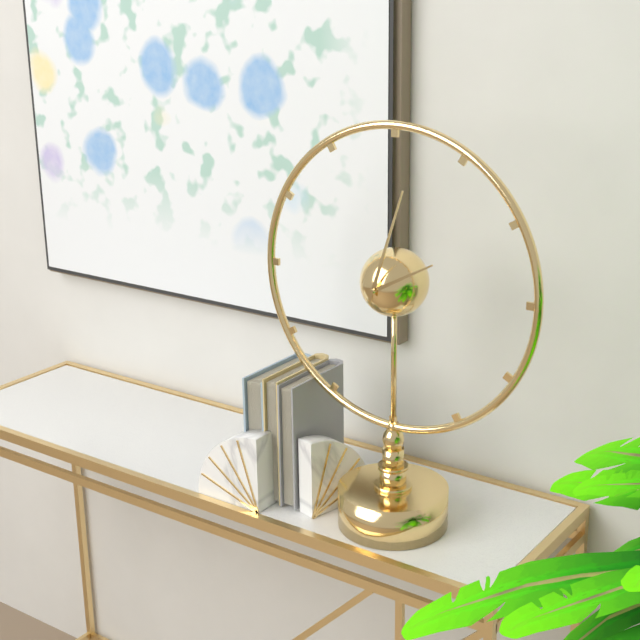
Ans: 2:03
